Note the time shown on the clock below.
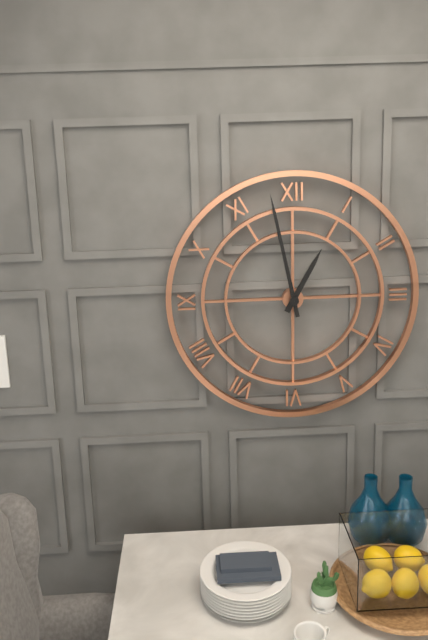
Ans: 12:58
